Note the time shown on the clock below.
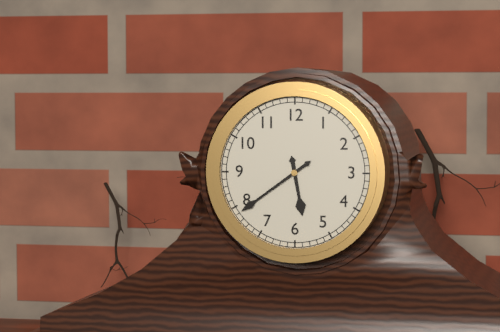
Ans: 5:39
